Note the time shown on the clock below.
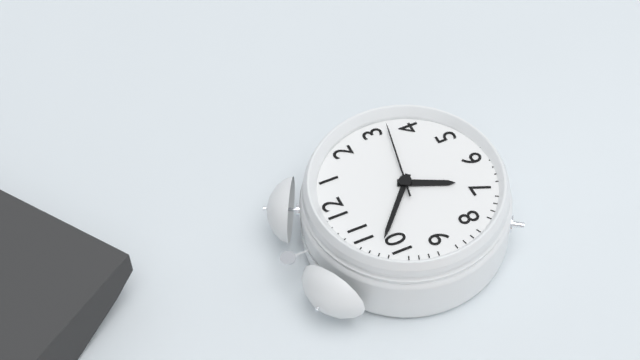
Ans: 6:52:17
